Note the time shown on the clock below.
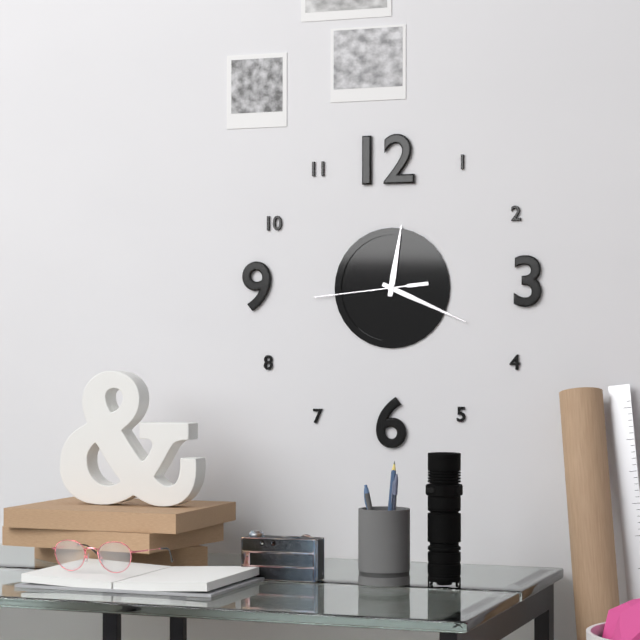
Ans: 12:19:44
